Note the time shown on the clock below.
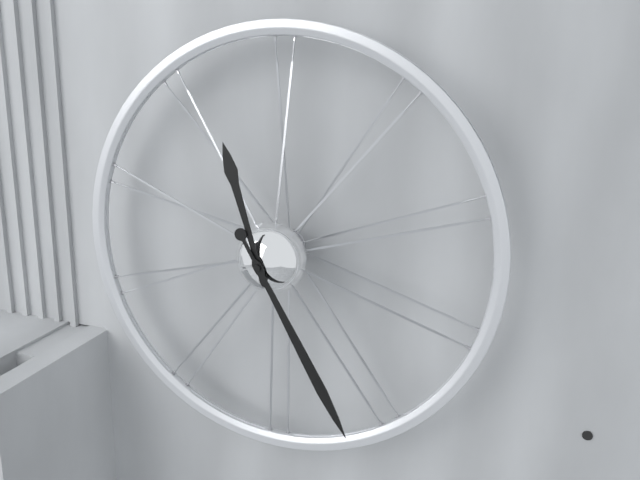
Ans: 11:25
